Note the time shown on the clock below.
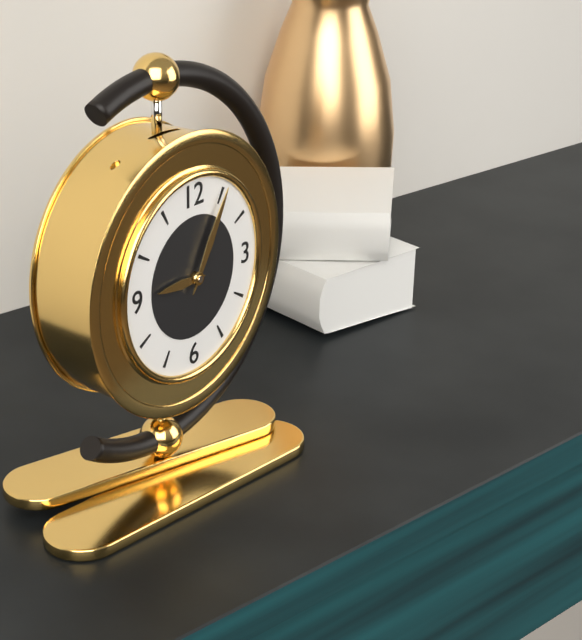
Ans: 9:05
